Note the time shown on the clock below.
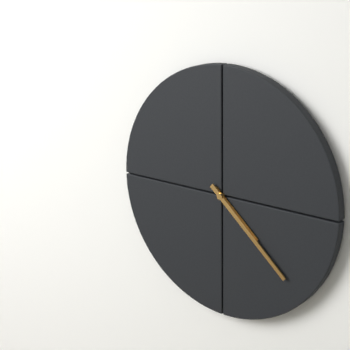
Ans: 4:22
